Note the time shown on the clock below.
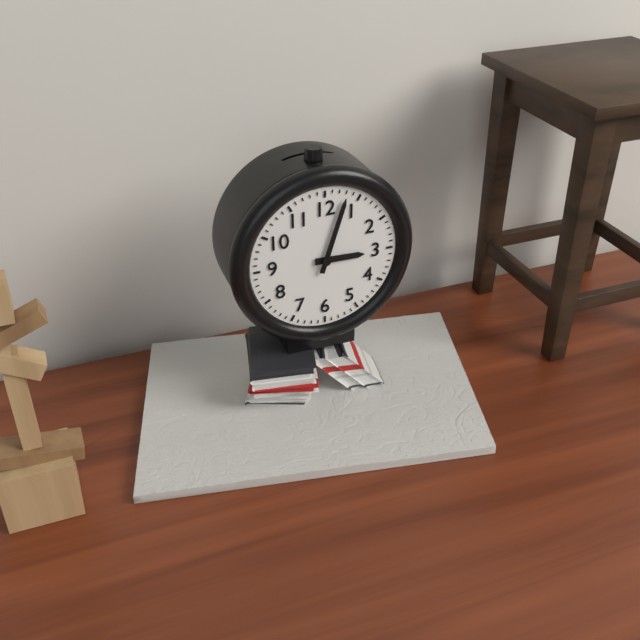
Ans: 3:03
